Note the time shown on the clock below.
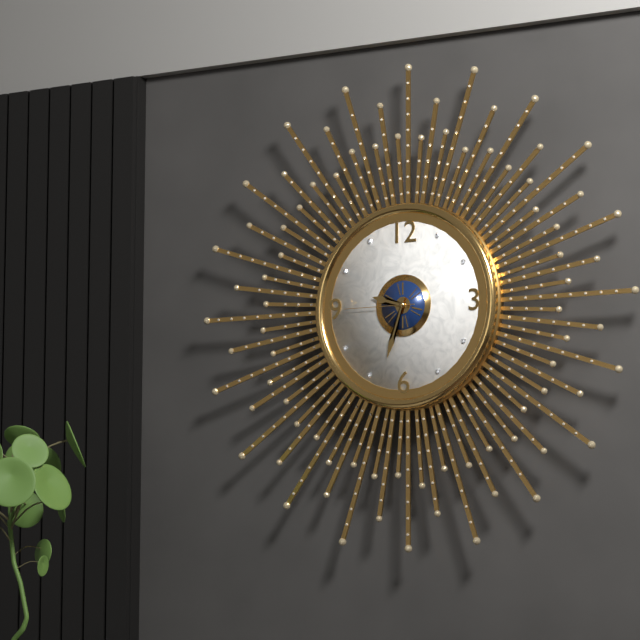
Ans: 9:33:45
